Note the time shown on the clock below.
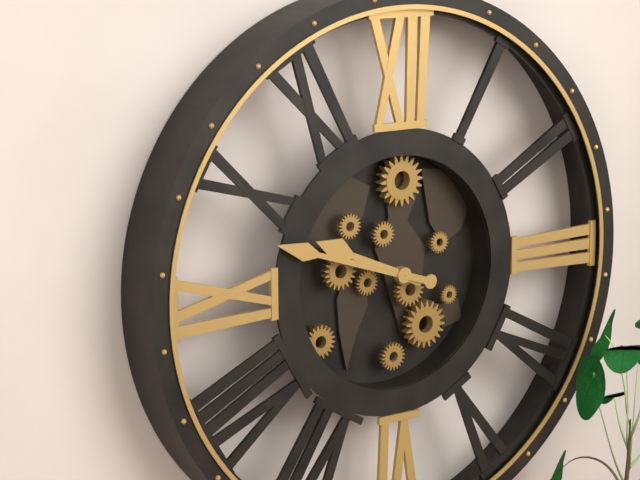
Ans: 9:48
